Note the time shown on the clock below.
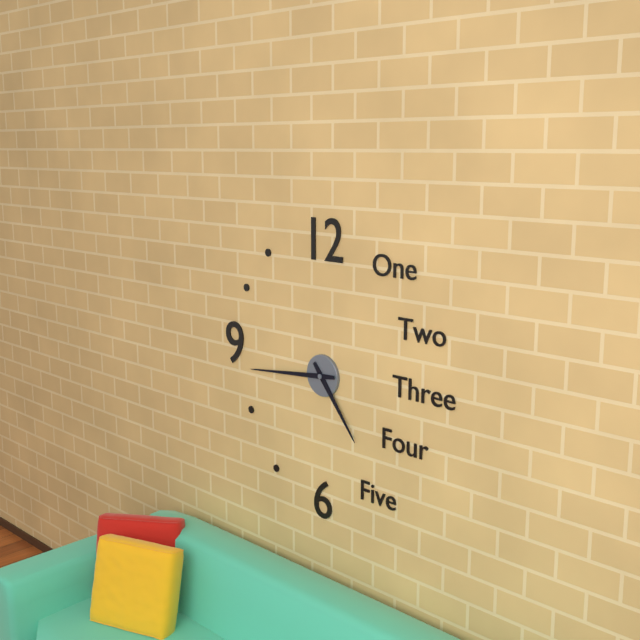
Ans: 4:44
